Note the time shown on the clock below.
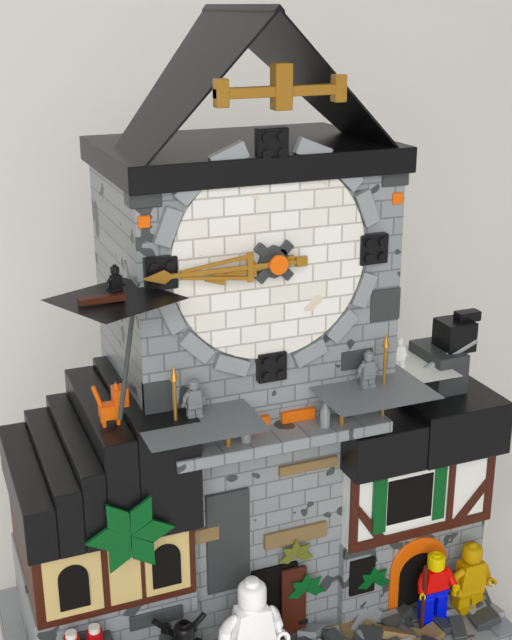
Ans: 8:45
